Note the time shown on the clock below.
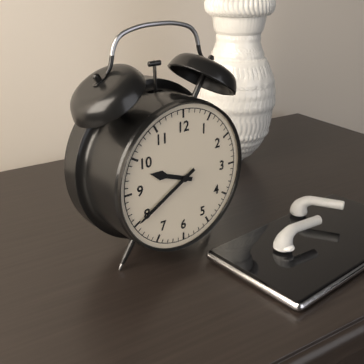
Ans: 9:40
